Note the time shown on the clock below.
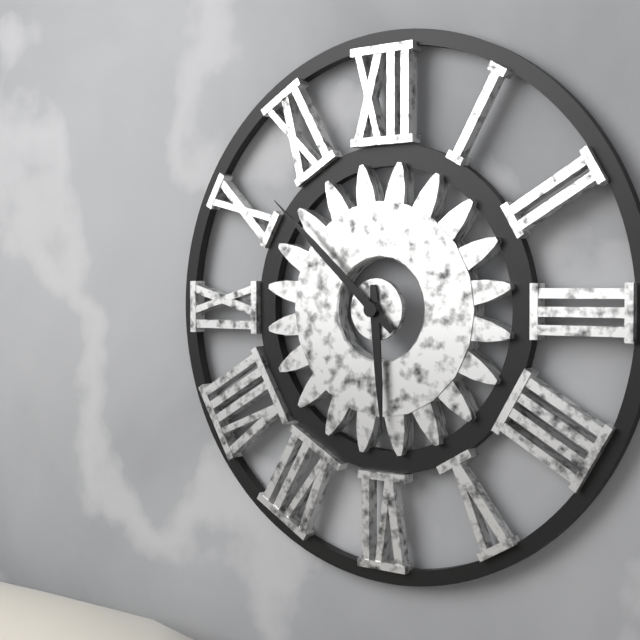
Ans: 5:52
